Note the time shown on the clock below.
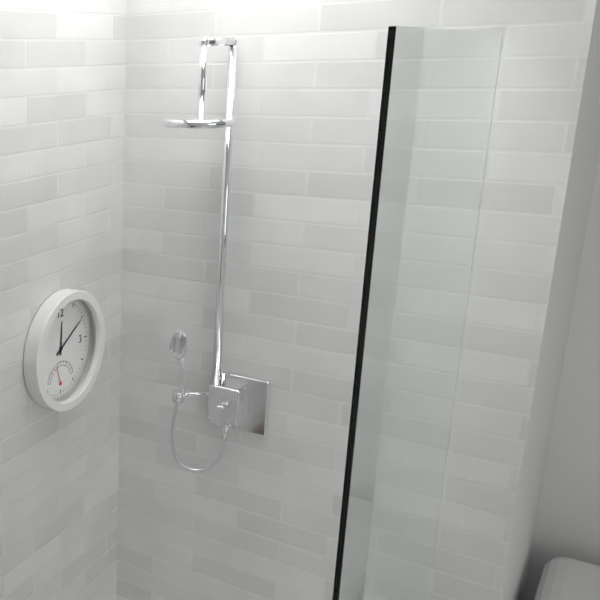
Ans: 12:10
